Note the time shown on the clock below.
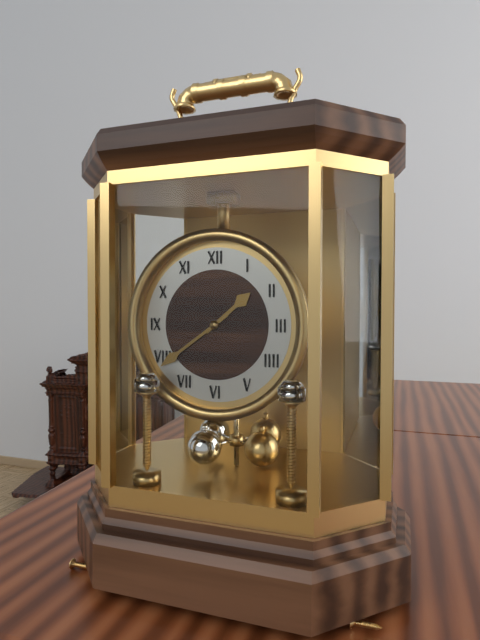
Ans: 1:39
